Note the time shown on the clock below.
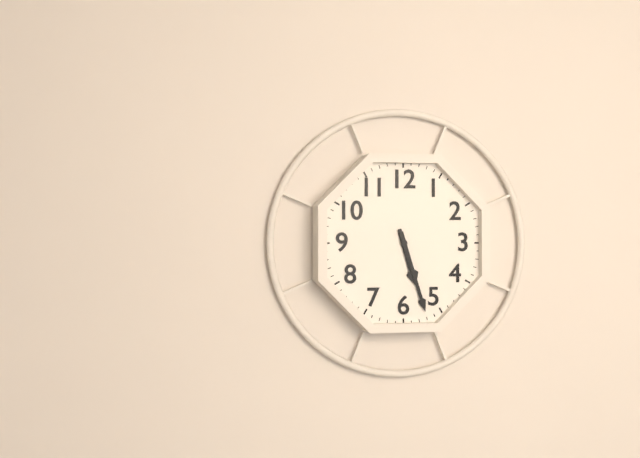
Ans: 5:27
